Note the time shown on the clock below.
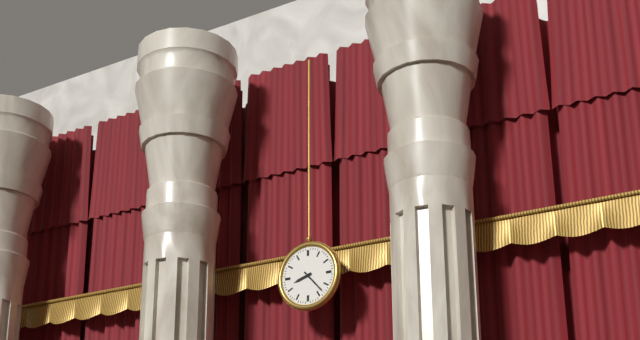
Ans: 8:23
